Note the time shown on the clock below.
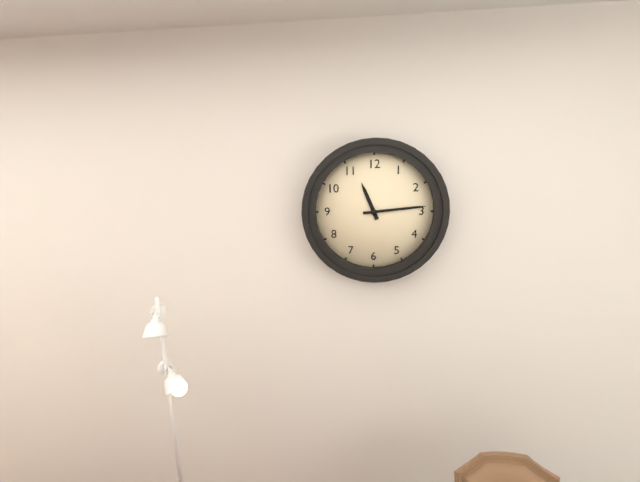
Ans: 11:14
